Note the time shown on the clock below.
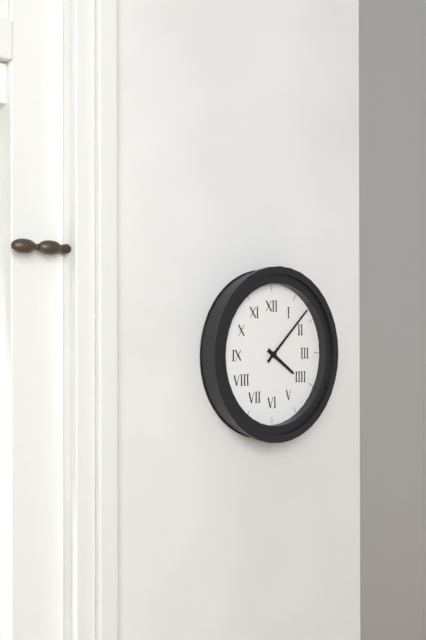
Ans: 4:08
